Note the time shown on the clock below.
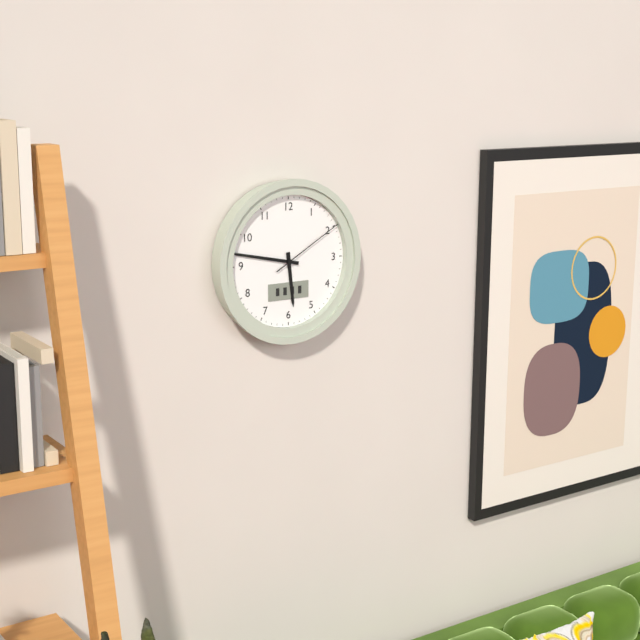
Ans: 5:47:10
